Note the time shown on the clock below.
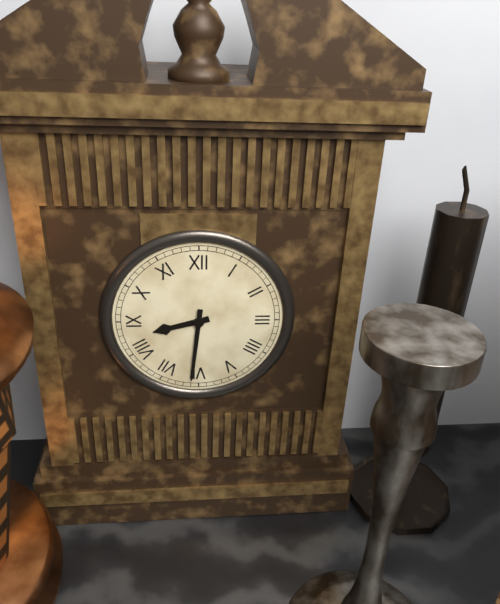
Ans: 8:31
